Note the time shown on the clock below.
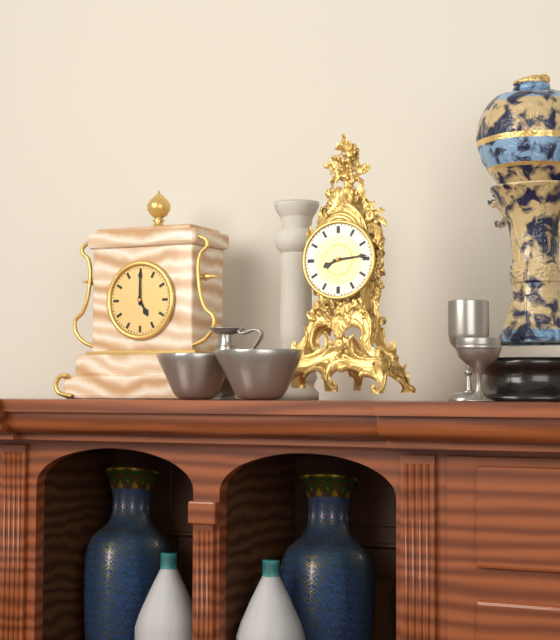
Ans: 8:14
